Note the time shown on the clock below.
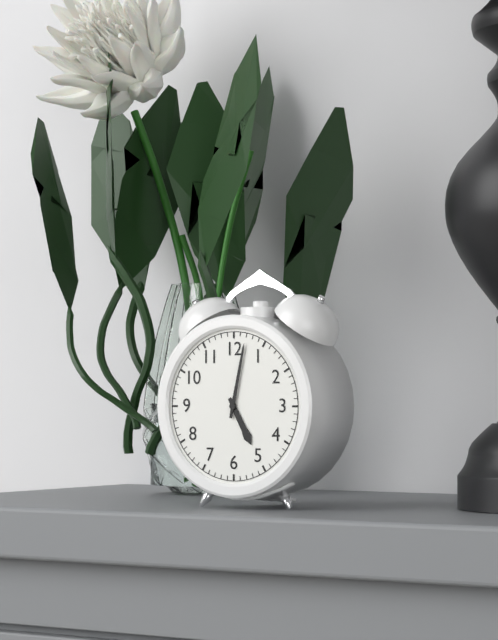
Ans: 5:02
